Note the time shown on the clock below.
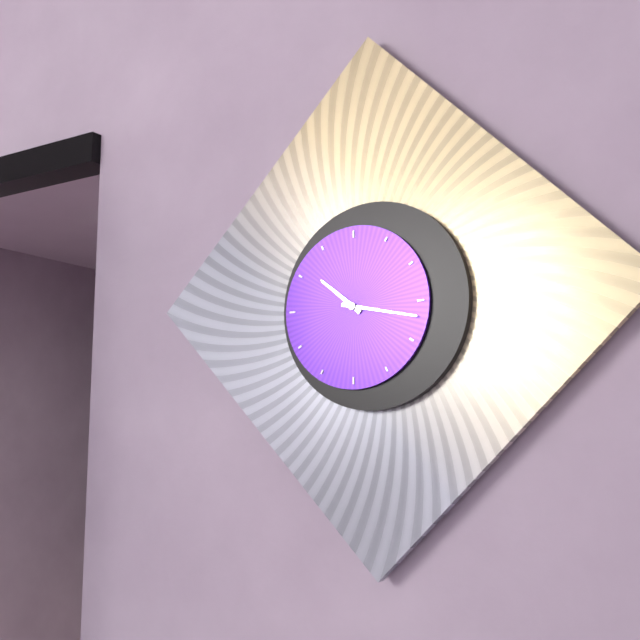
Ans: 10:17
